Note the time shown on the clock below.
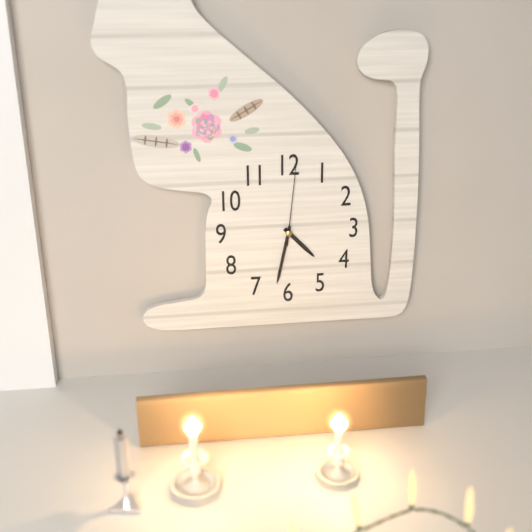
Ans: 4:32:01
